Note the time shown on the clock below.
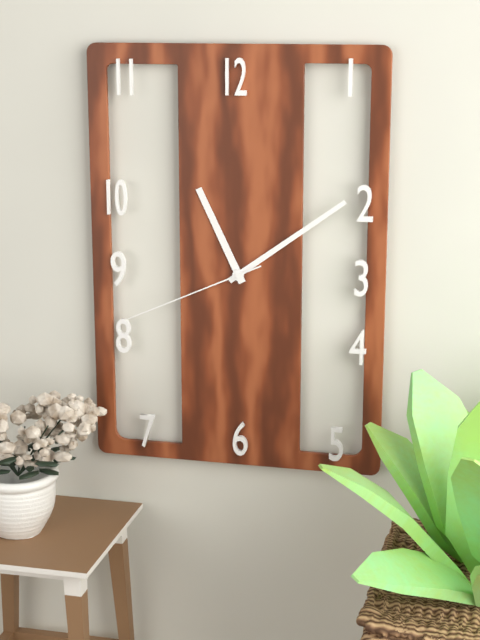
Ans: 11:09:41
